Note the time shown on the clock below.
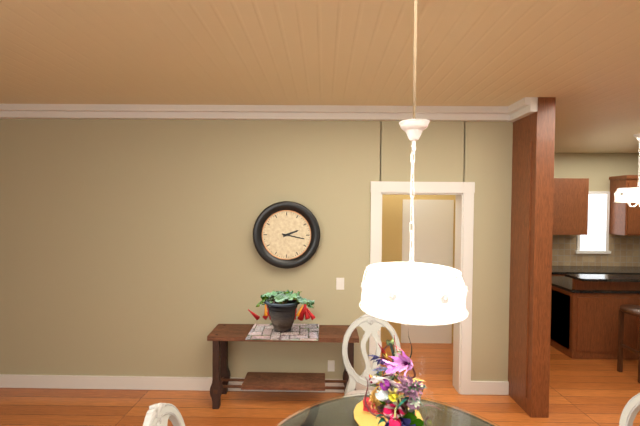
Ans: 2:17
